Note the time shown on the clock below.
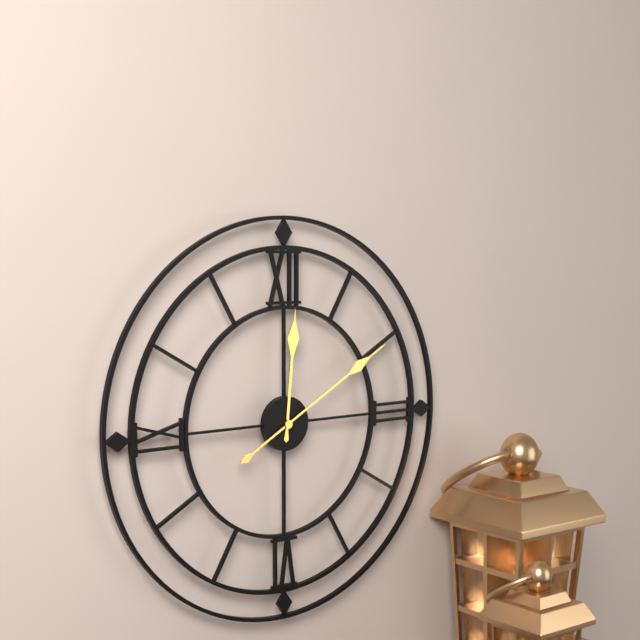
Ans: 12:10
